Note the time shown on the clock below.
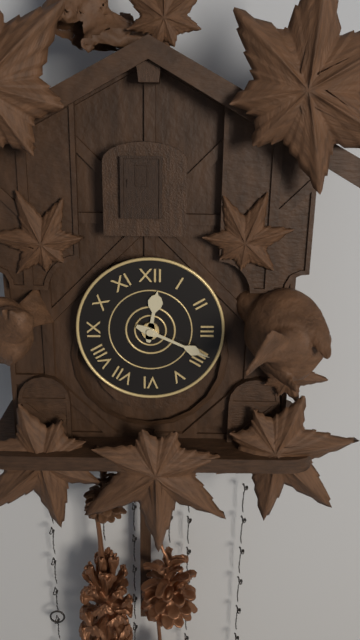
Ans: 12:19
